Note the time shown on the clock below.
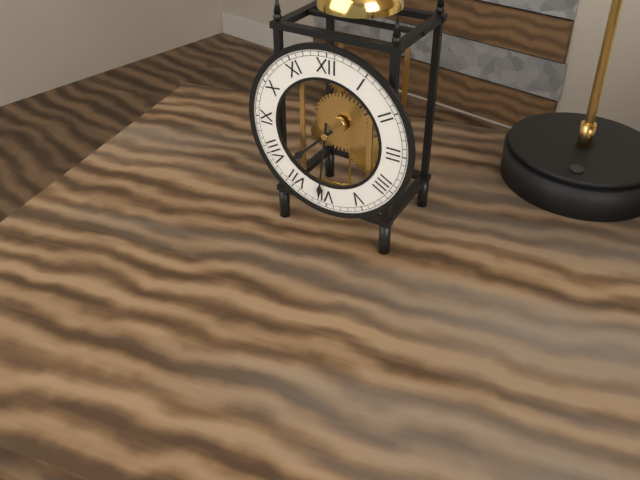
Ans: 7:31
